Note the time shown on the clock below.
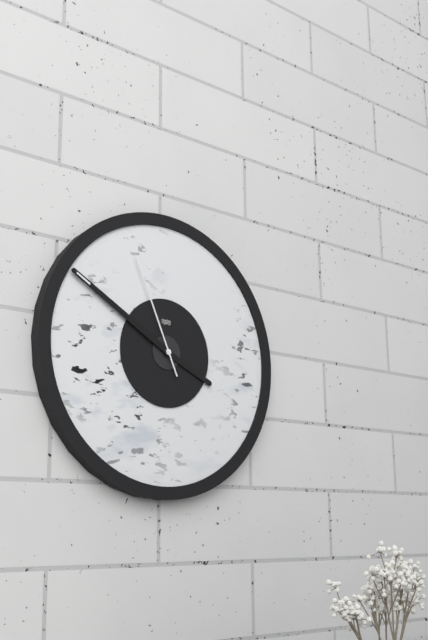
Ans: 3:50:56
